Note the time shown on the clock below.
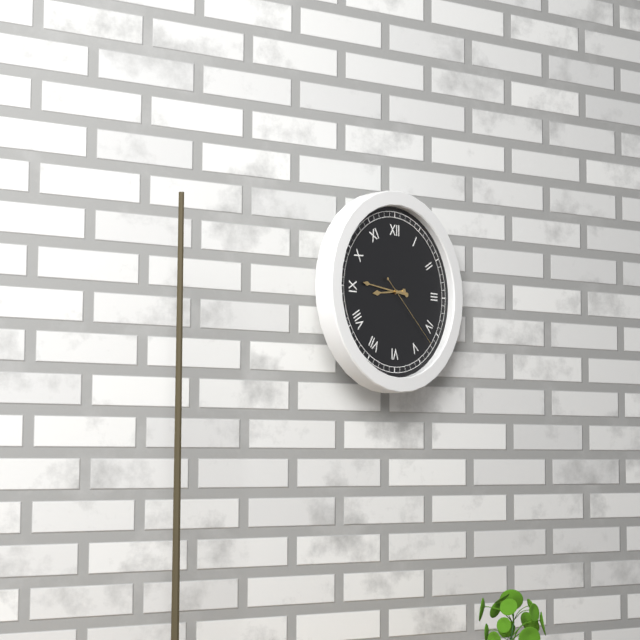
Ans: 8:46:22
